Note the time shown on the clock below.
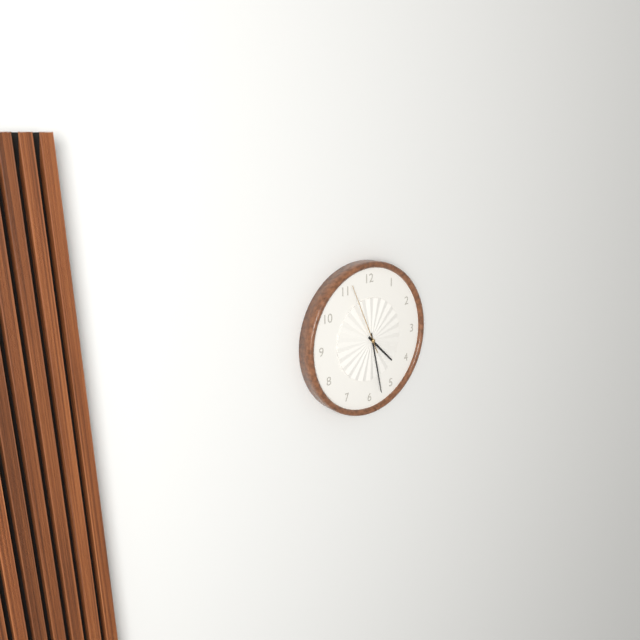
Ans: 4:28:56
